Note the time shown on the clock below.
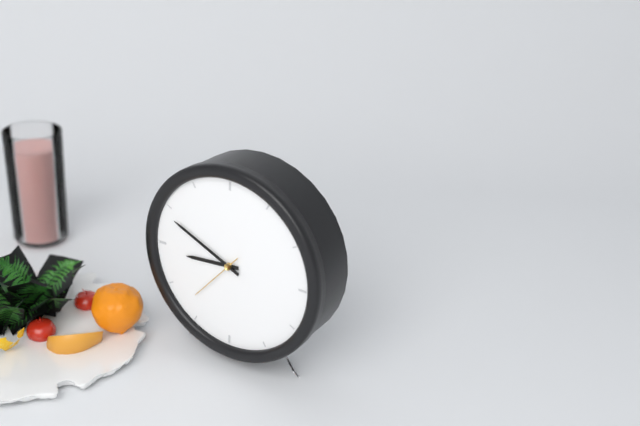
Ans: 8:49:37
